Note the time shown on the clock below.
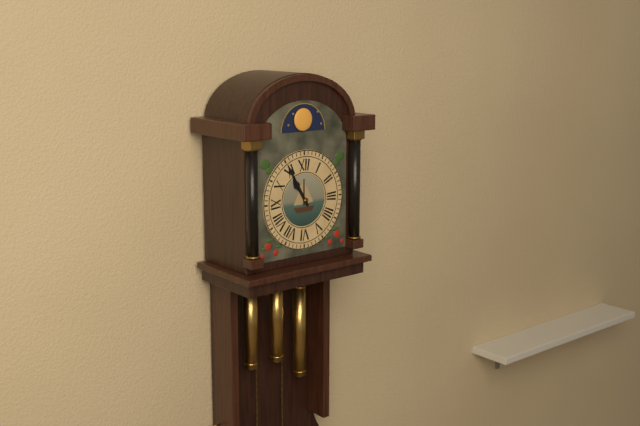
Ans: 10:55
